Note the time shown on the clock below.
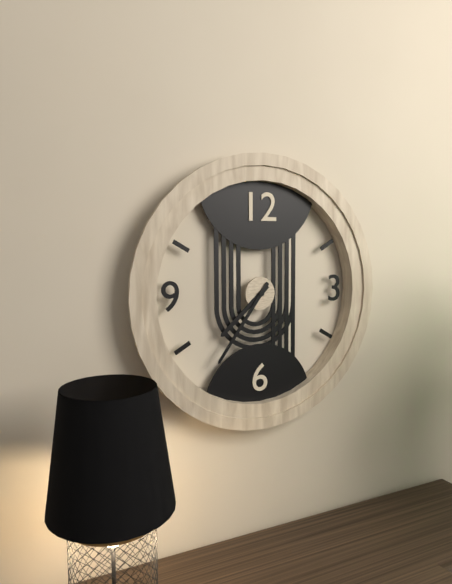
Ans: 7:36
